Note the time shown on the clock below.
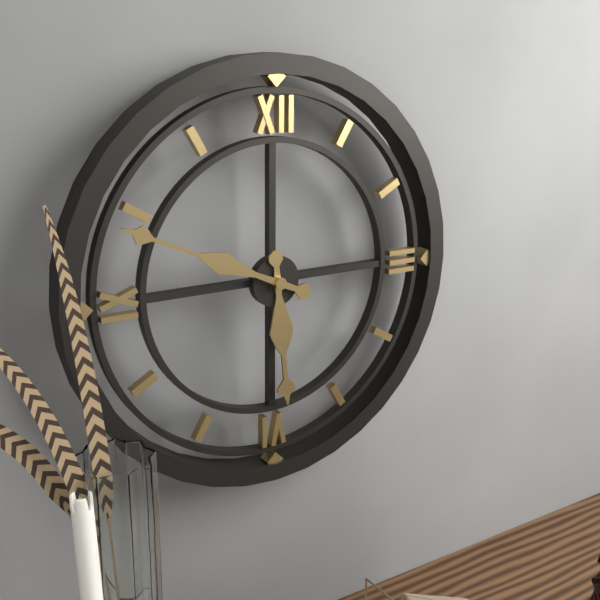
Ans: 5:49
